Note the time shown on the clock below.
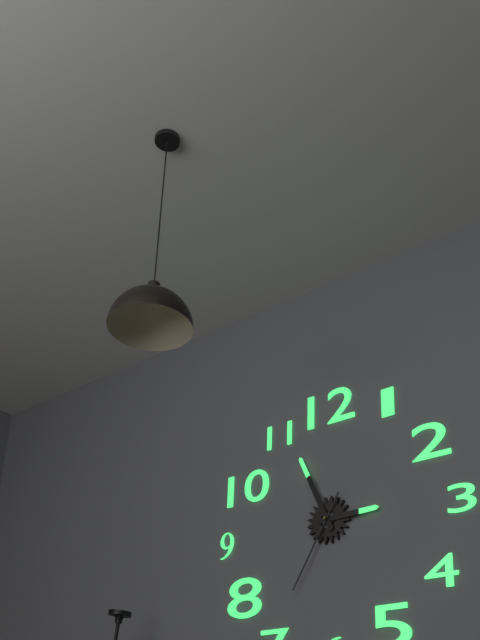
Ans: 2:56:35
